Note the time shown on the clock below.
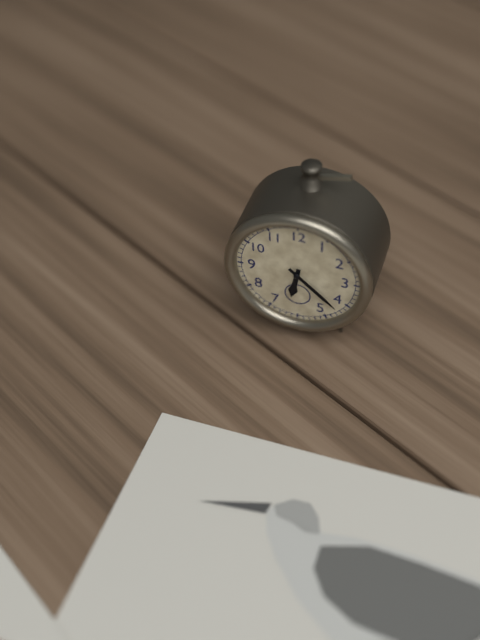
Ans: 6:22
